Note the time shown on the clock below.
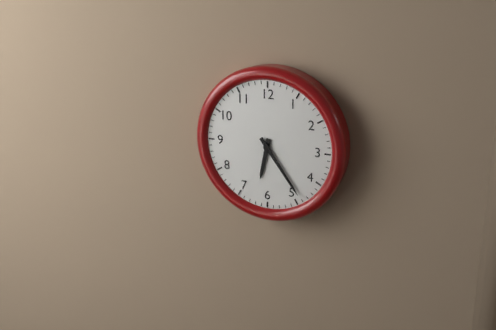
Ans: 6:24
